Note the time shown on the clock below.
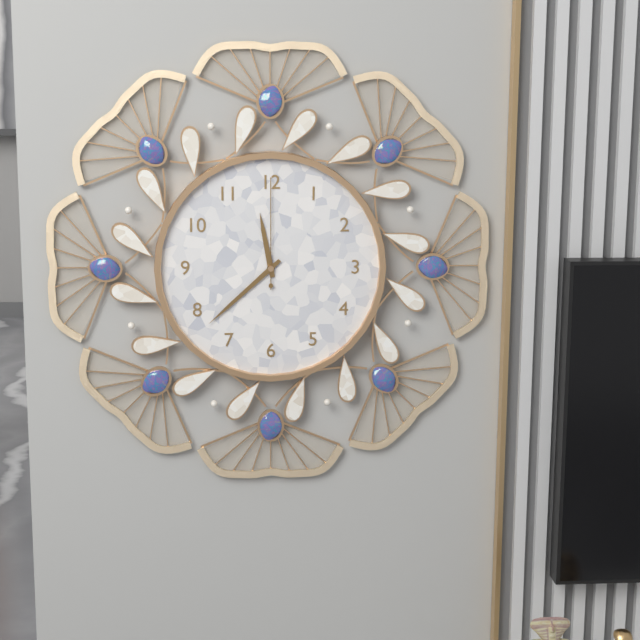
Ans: 11:38:00
